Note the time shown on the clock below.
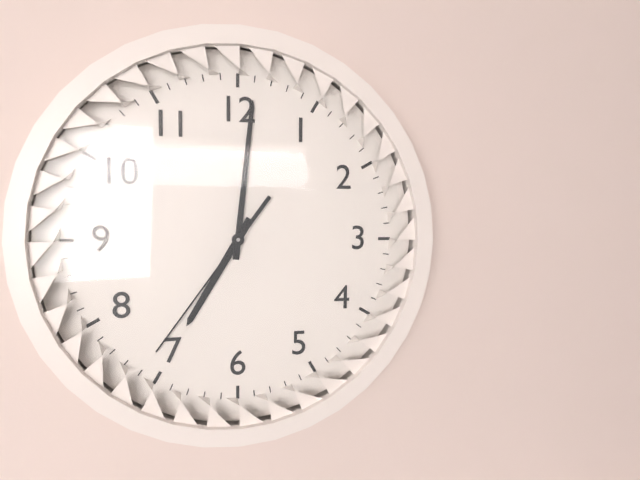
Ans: 7:01:36
